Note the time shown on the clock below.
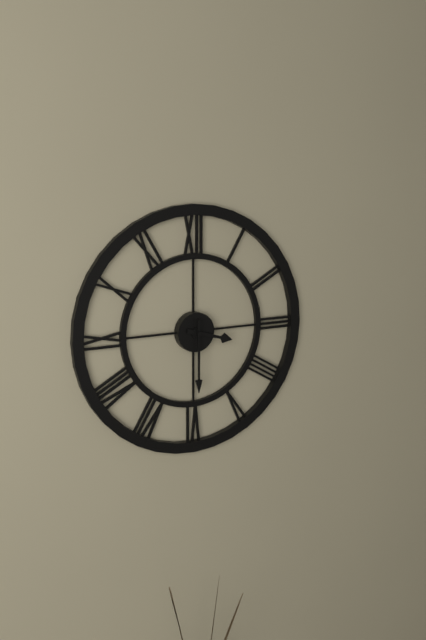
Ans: 3:30
